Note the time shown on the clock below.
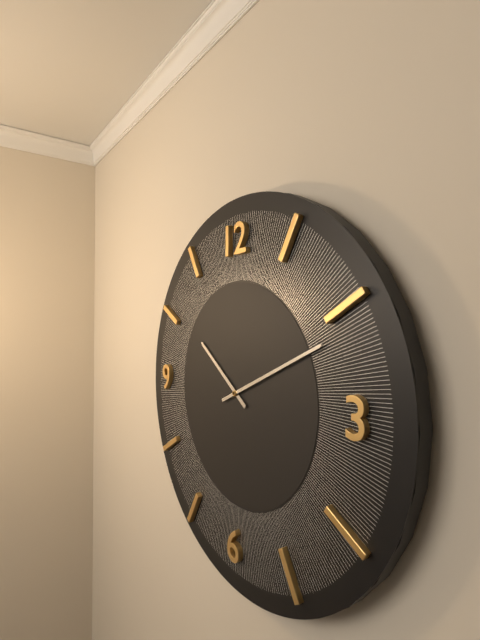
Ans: 10:11
